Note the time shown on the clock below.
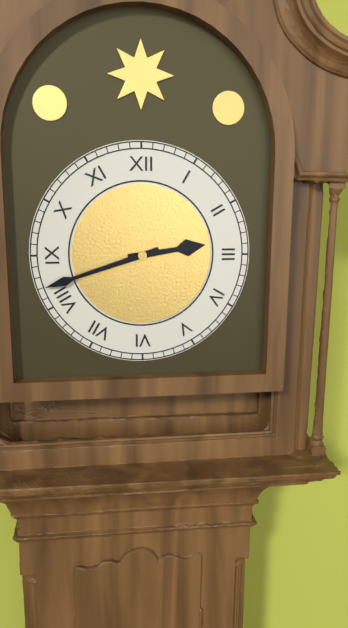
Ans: 2:42
